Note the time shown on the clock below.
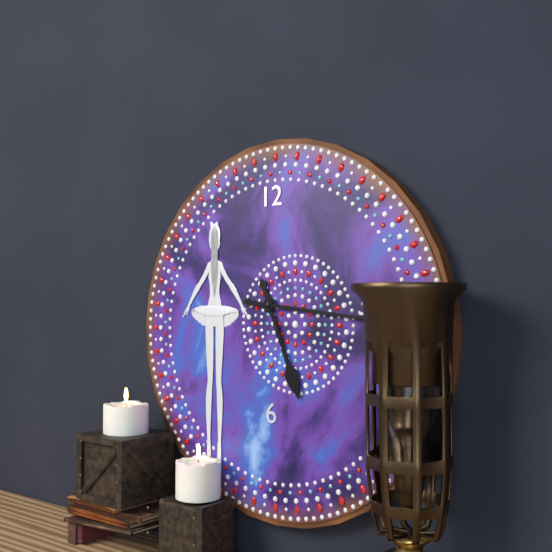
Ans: 5:16
